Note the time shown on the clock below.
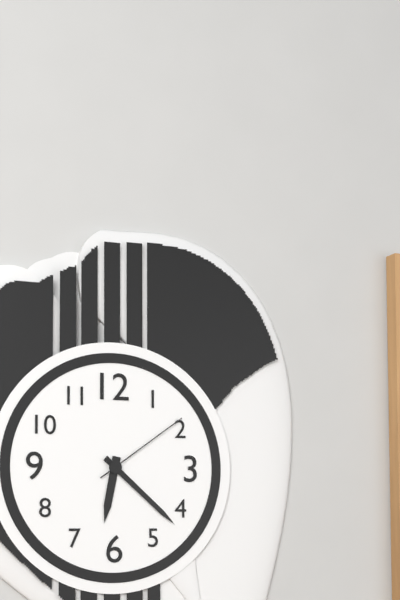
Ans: 6:22:09
